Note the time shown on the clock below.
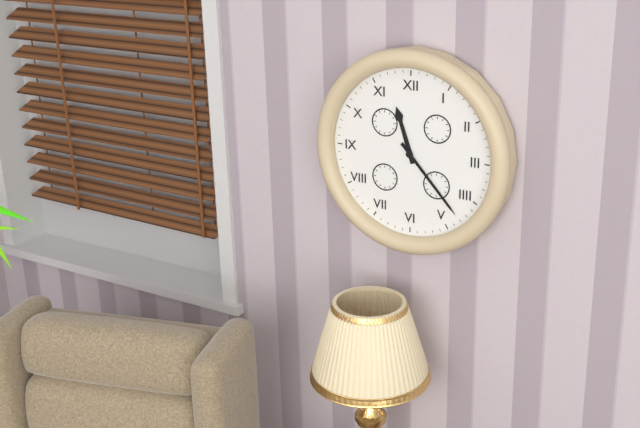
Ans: 11:23
